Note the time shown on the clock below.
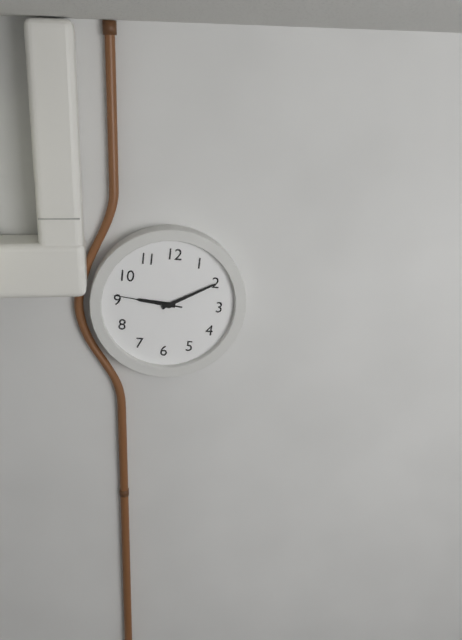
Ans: 9:10:46
